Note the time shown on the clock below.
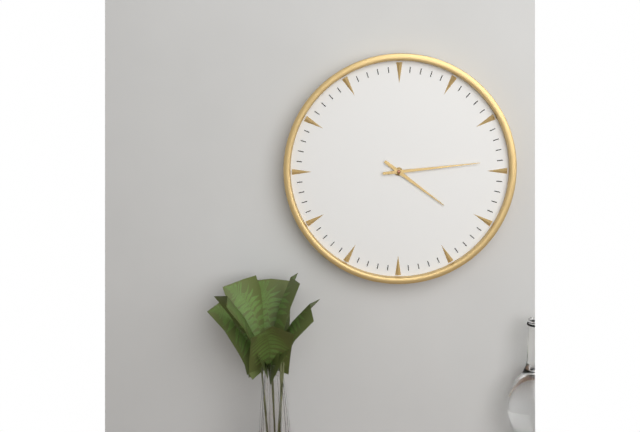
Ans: 4:14
